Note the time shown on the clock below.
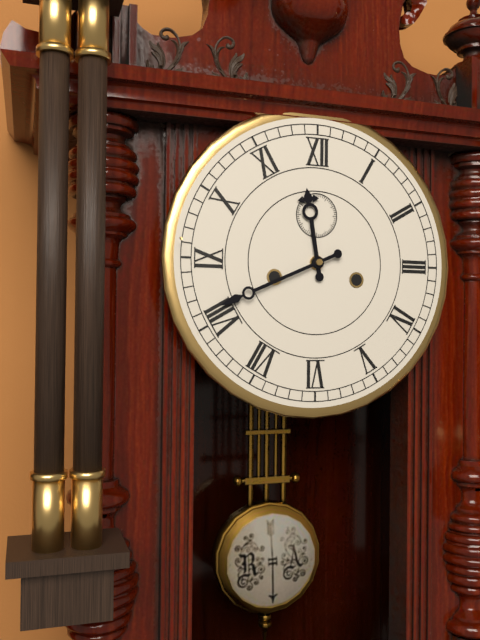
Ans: 11:41
